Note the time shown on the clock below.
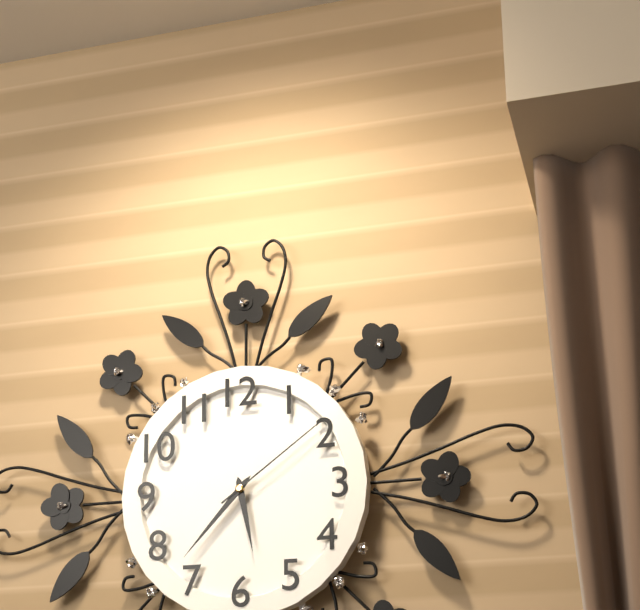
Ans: 5:37:09
